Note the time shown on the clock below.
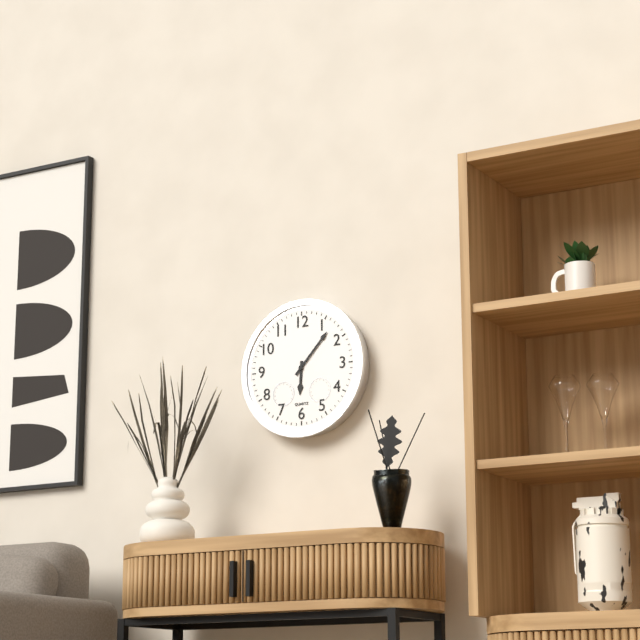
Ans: 6:07
